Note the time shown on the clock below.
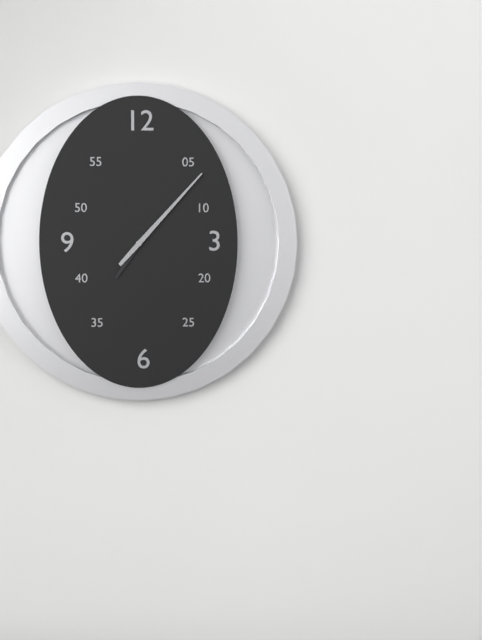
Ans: 7:07
